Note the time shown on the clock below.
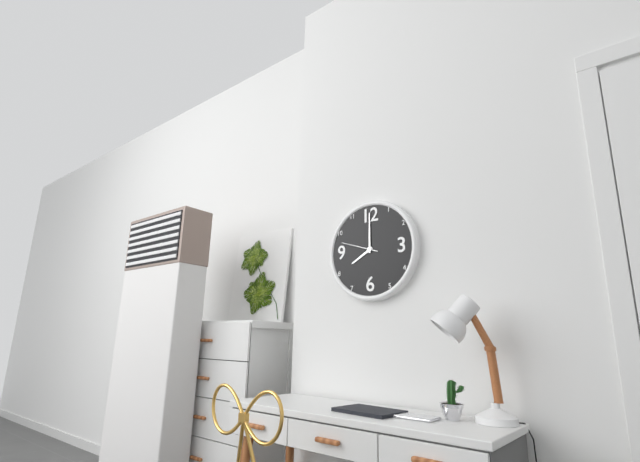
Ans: 8:00
